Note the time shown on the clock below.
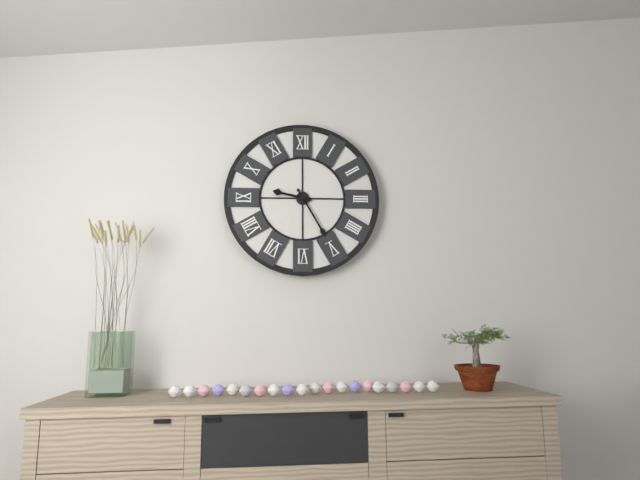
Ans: 9:25
